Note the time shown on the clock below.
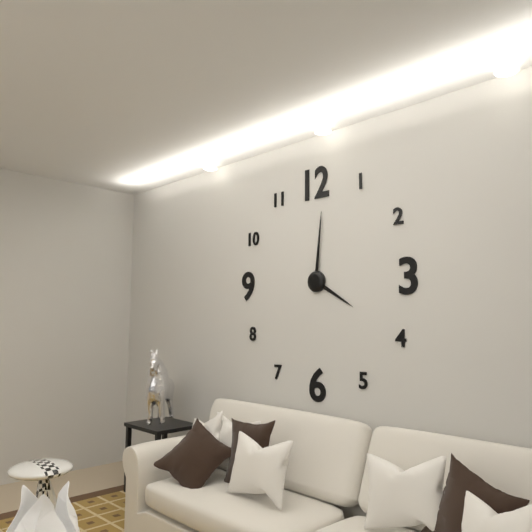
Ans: 4:01
